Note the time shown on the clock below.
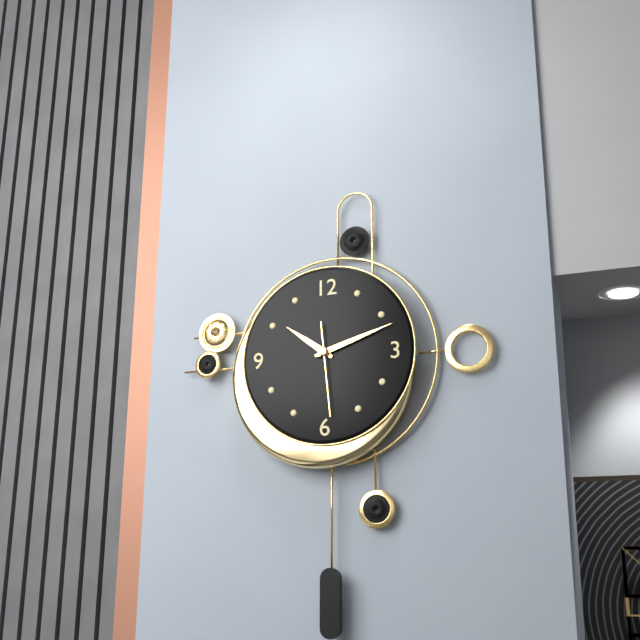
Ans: 10:12:29
